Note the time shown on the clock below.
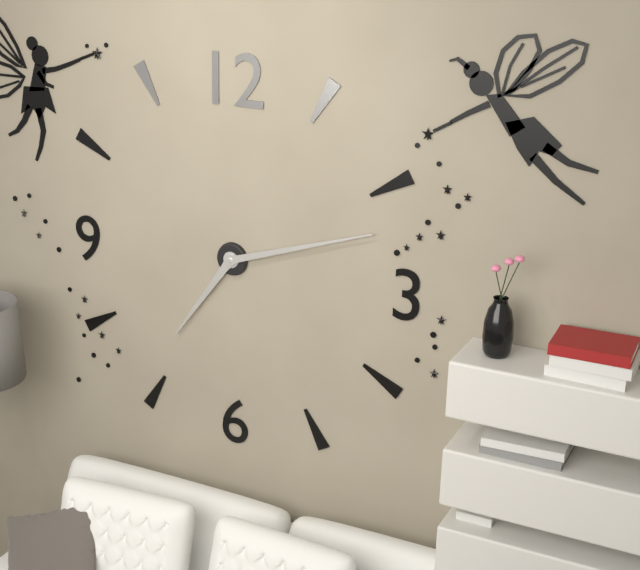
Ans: 7:12
